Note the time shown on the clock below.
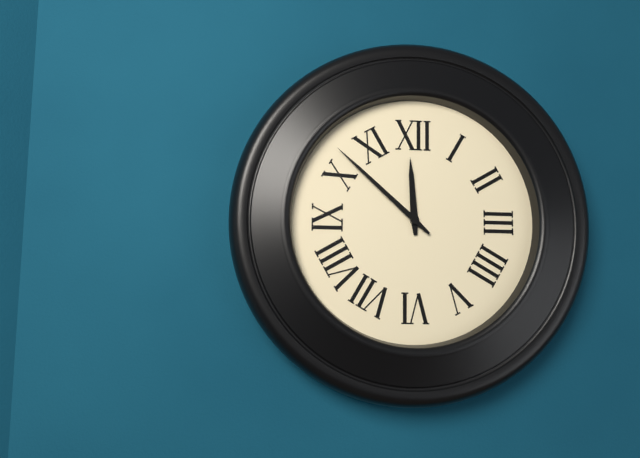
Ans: 11:52
